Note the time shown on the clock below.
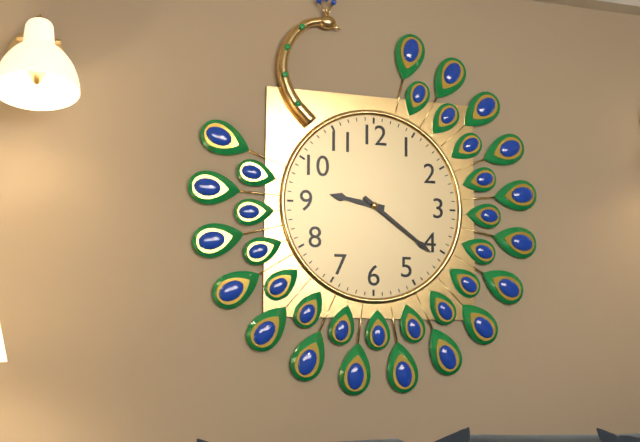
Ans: 9:21
